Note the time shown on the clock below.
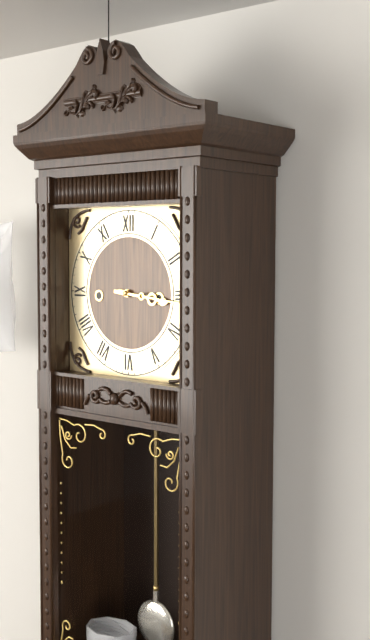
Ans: 3:16
